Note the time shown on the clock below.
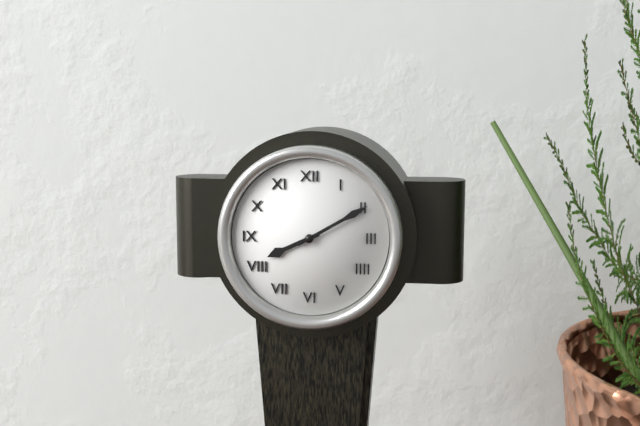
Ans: 8:10
